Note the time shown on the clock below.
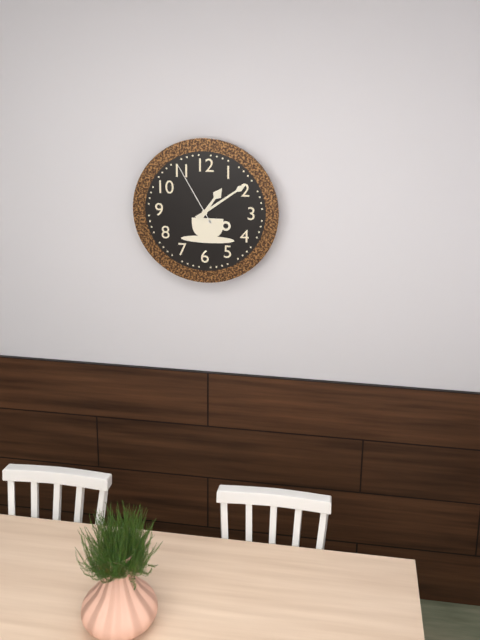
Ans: 1:09:55
